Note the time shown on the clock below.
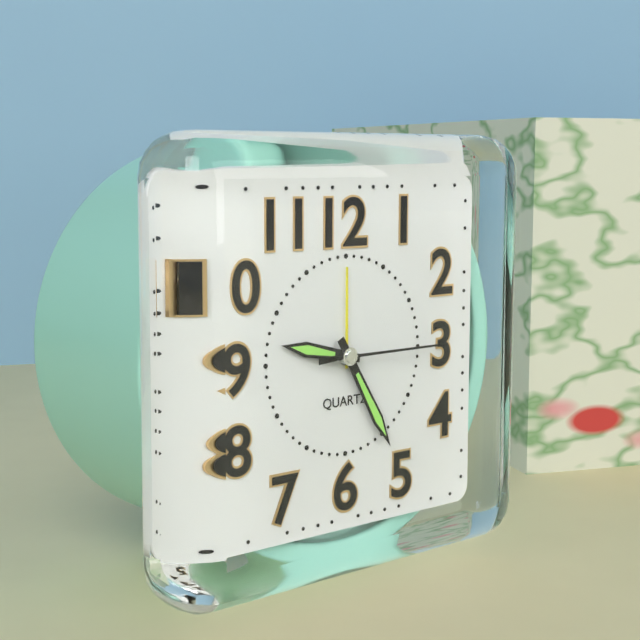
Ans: 9:25:15
